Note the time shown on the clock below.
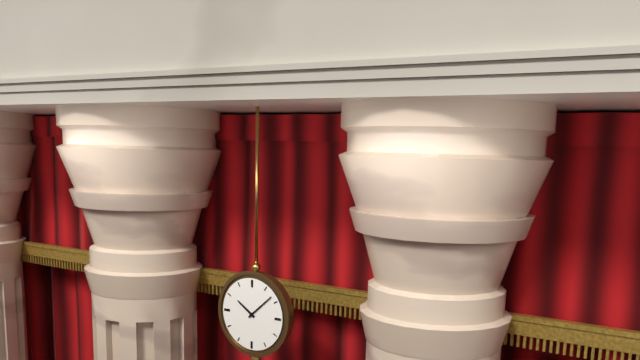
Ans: 10:08
